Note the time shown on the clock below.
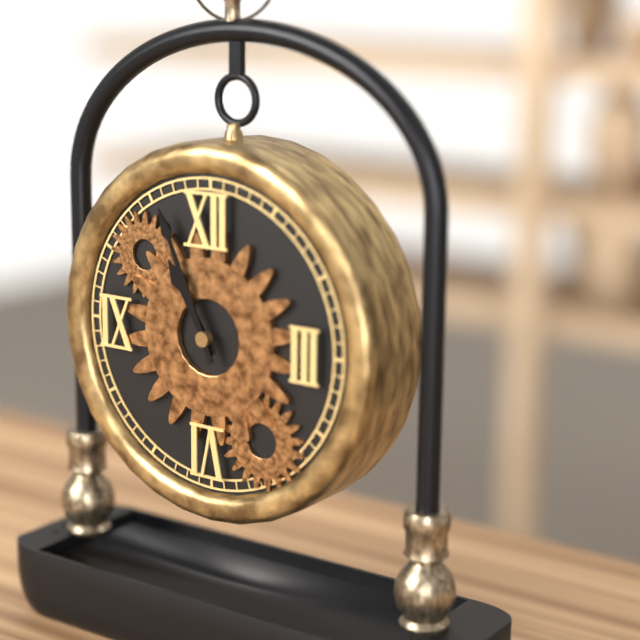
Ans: 10:56
